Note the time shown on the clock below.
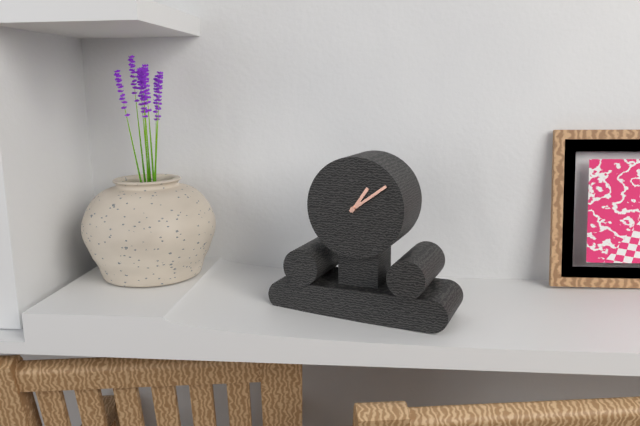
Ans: 1:09
